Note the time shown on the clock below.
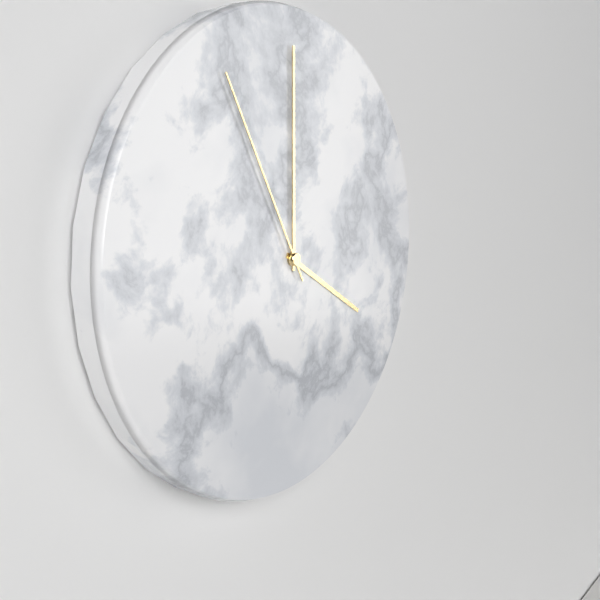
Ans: 4:00:55
